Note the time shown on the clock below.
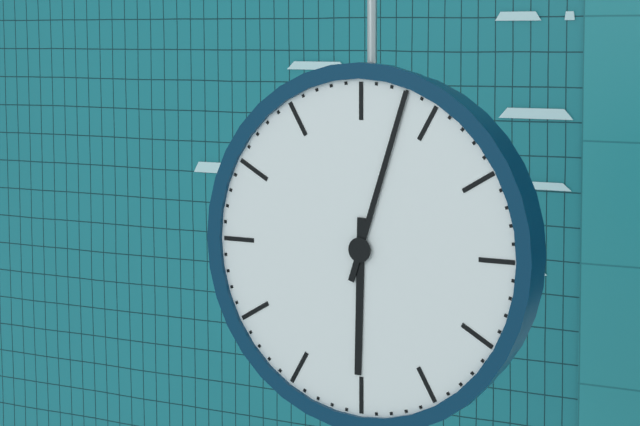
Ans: 6:03
